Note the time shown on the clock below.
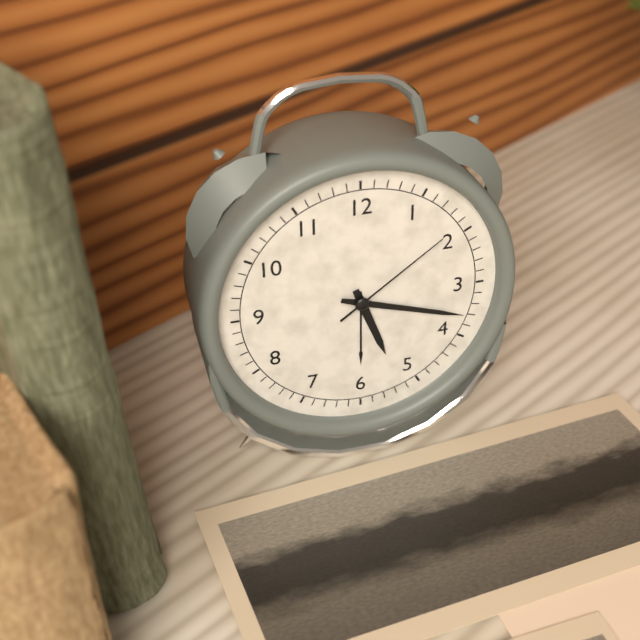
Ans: 5:18:09
